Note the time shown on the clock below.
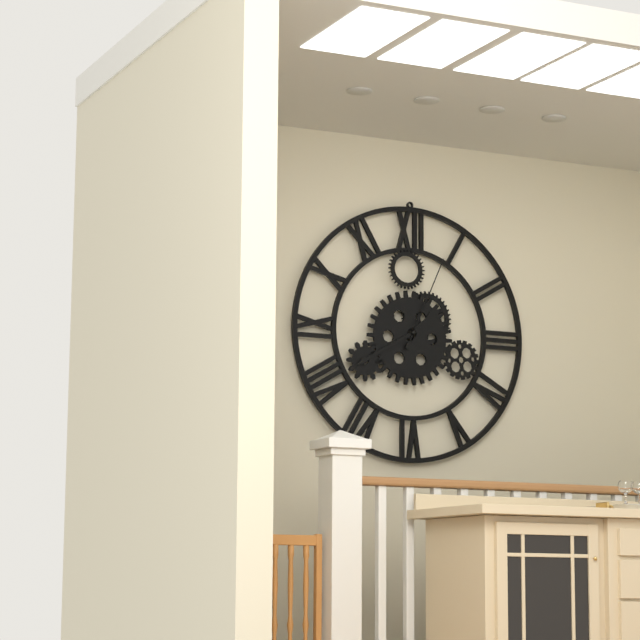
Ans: 1:40:04
